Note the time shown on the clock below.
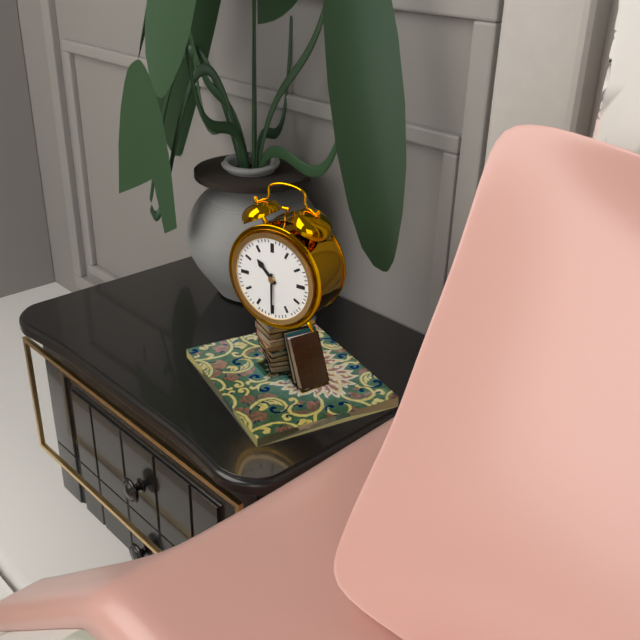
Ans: 10:30
